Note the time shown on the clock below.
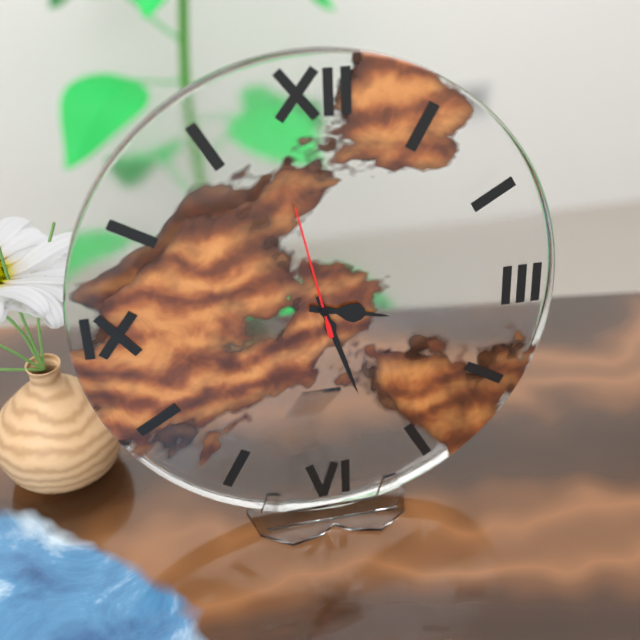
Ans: 3:27:58
